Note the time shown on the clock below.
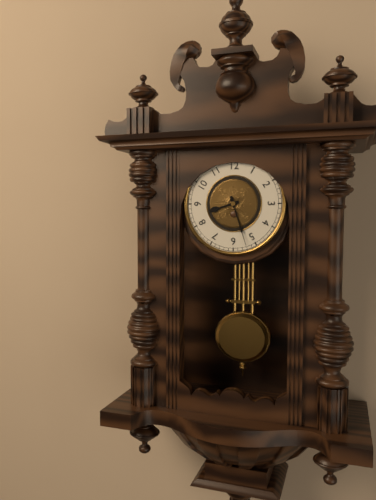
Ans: 8:27
